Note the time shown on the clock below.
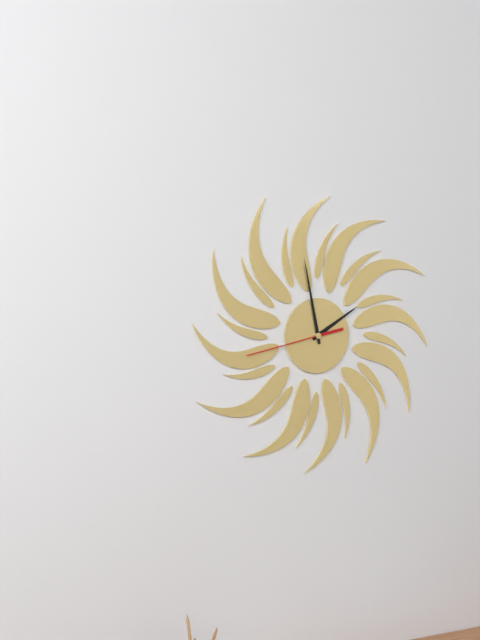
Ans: 1:58:43
